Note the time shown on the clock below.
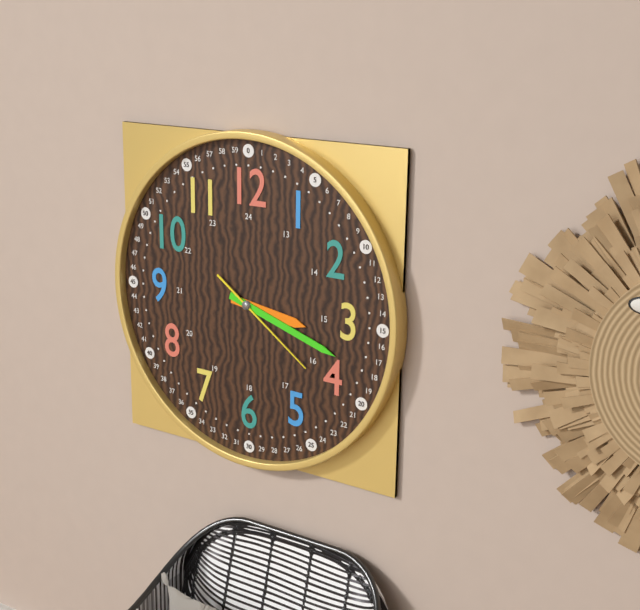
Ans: 3:18:21
